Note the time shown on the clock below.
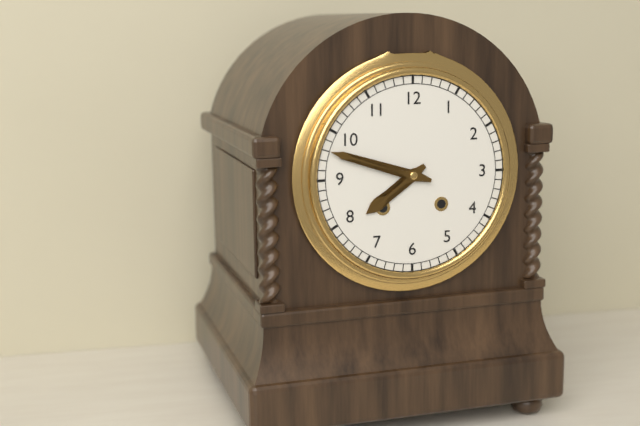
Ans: 7:48
